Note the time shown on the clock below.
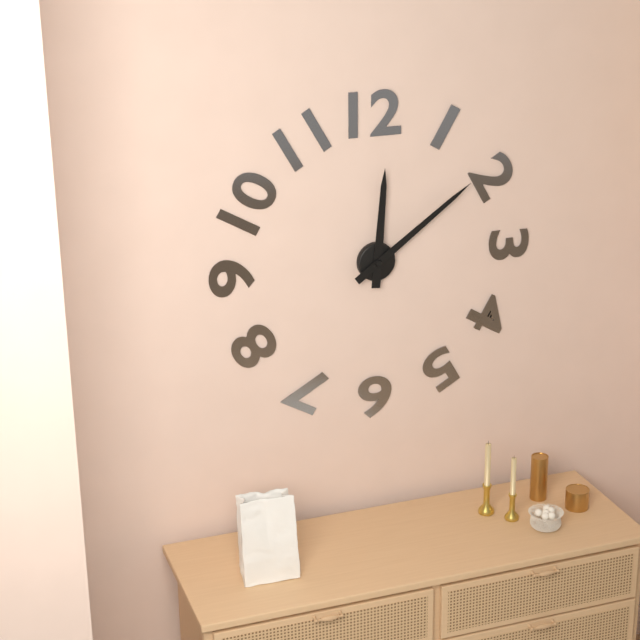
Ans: 12:09
